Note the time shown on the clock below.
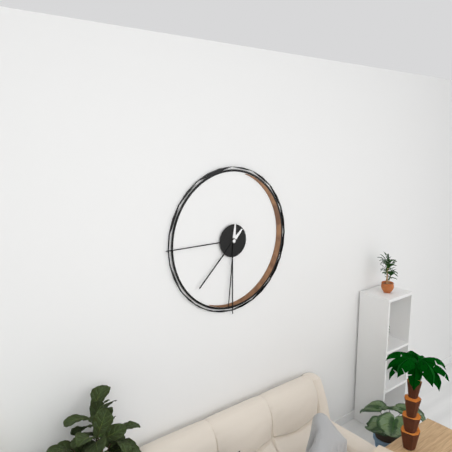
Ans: 7:31
